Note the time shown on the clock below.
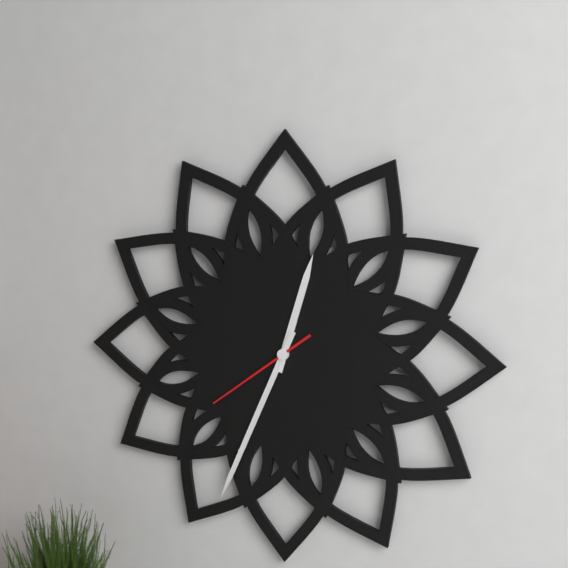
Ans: 12:34:39
